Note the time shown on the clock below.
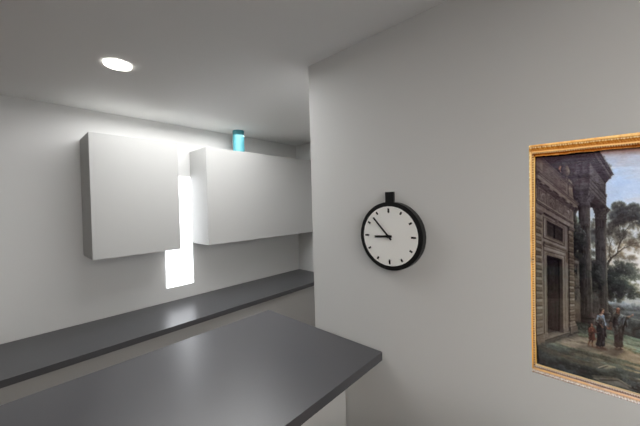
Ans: 8:53
